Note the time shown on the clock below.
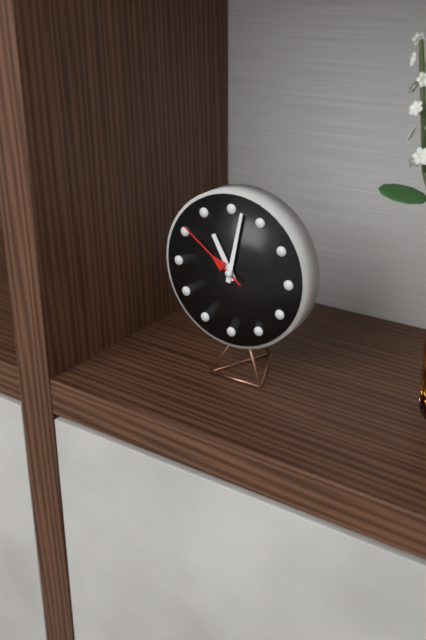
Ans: 11:02:51
